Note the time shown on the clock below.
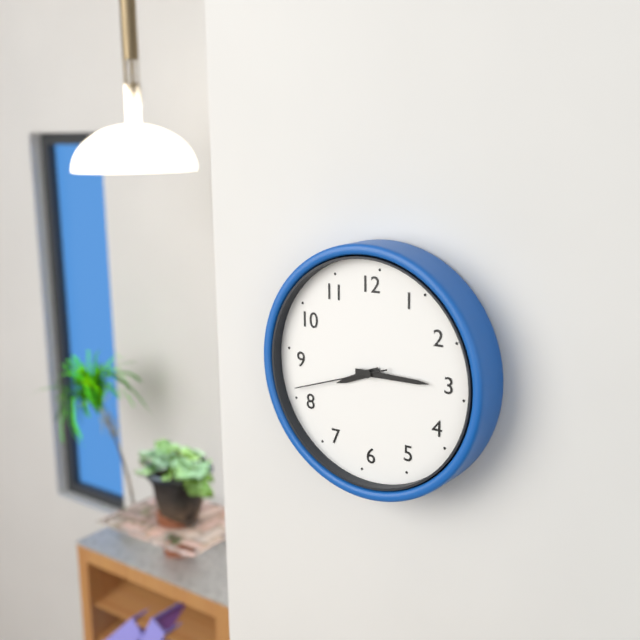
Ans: 8:15:42
